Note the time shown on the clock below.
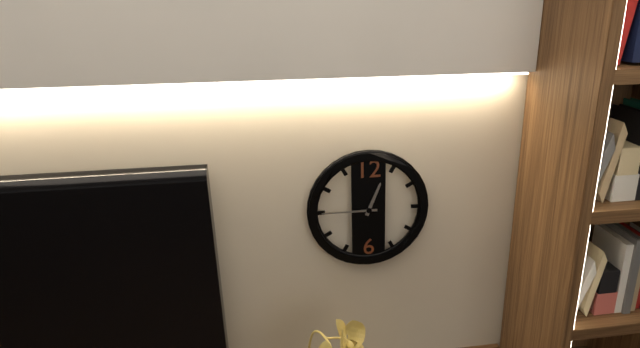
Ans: 12:45
